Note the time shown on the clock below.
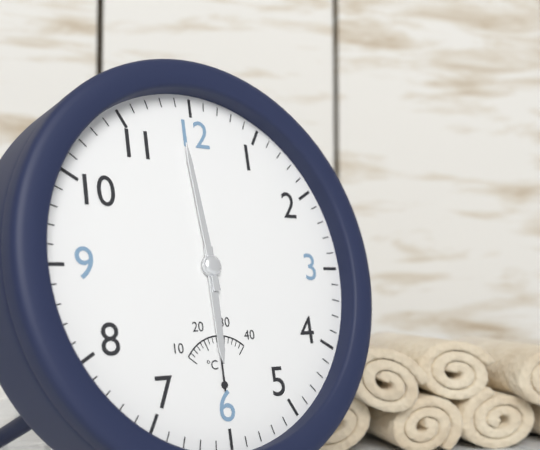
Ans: 5:59
